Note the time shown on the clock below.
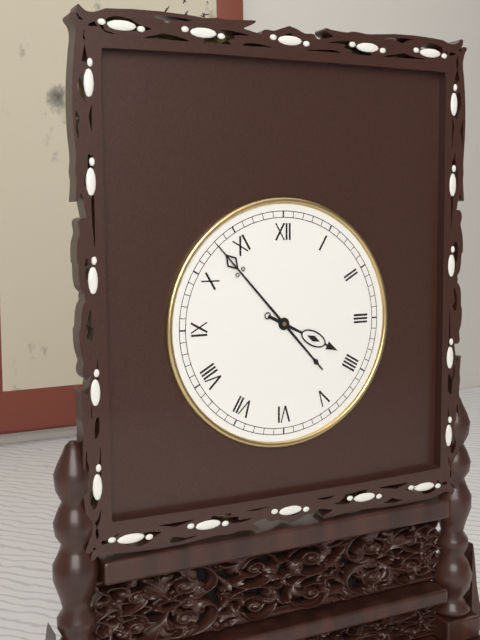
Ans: 3:53
